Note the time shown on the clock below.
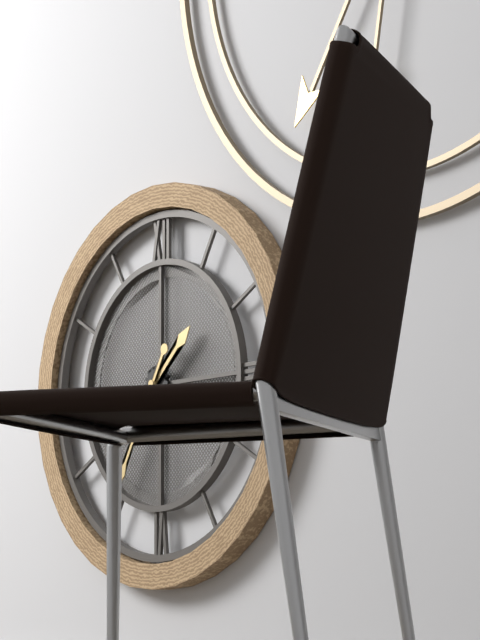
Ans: 1:35
